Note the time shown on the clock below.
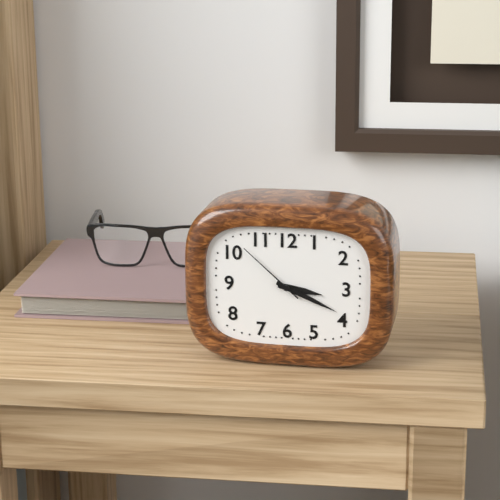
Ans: 3:19:52
